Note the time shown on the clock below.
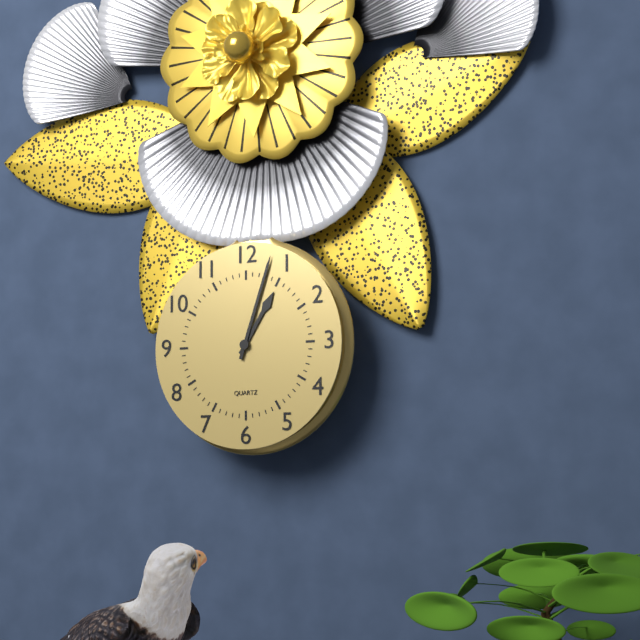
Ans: 1:03
